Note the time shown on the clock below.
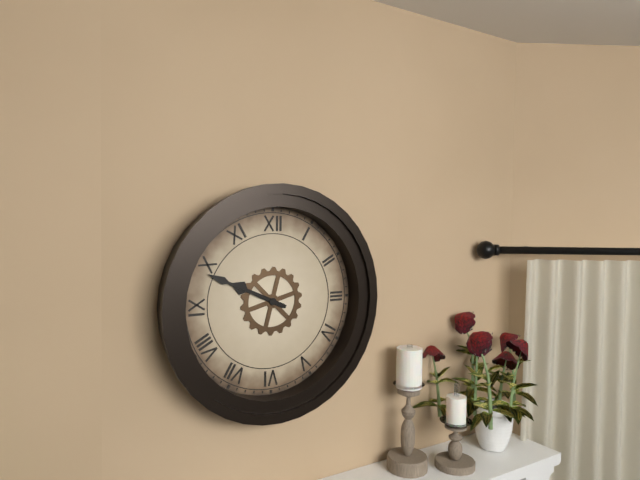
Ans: 9:49
